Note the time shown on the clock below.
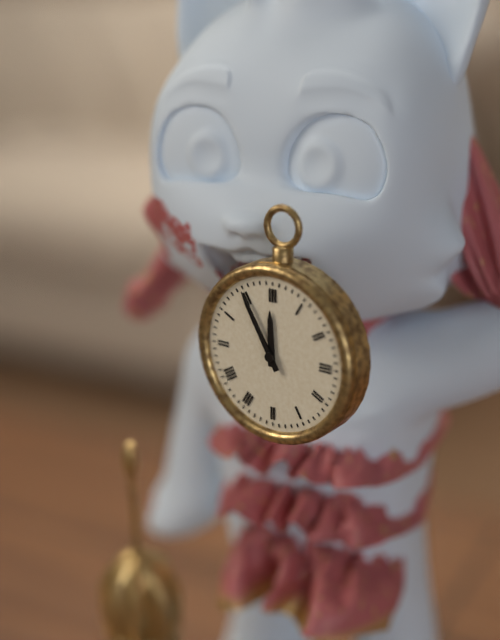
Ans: 11:55
